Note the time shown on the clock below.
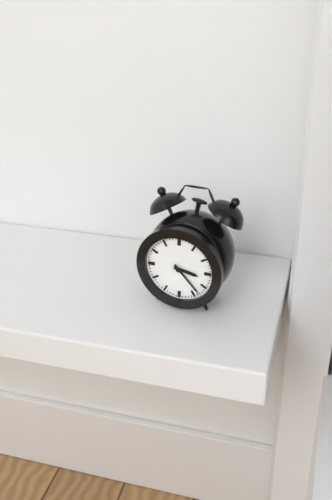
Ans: 3:23
